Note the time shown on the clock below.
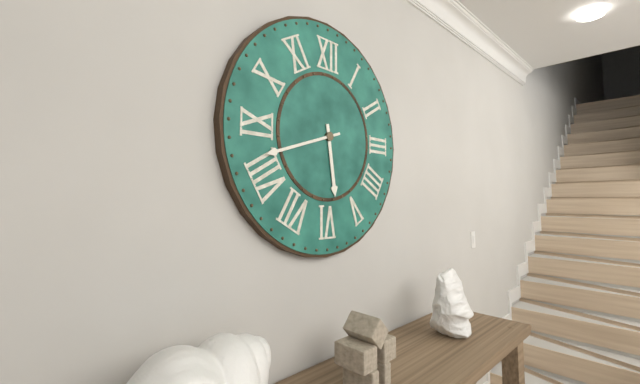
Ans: 5:42
